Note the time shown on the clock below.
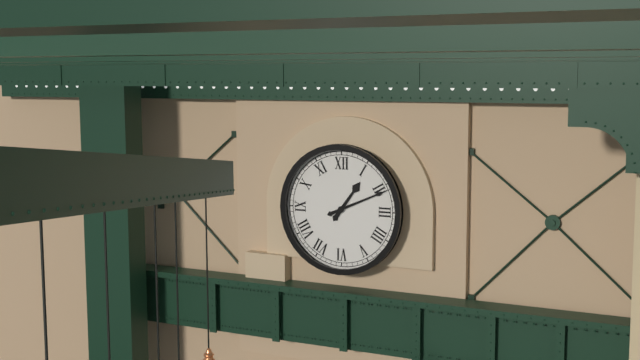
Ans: 1:11
